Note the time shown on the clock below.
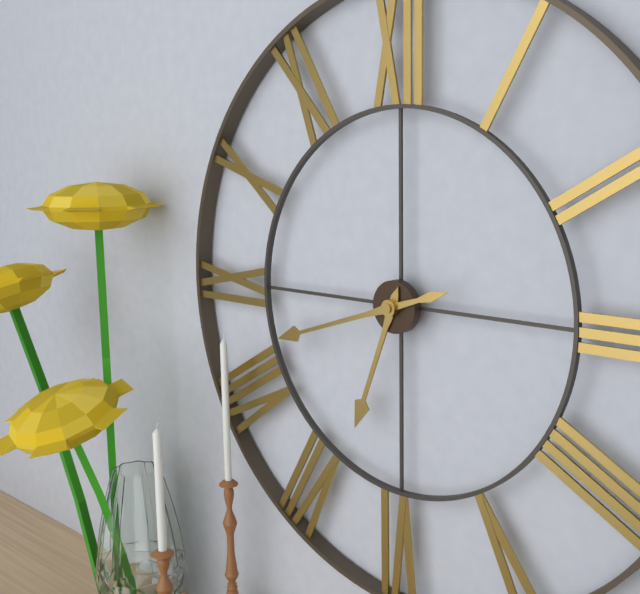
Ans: 6:42
